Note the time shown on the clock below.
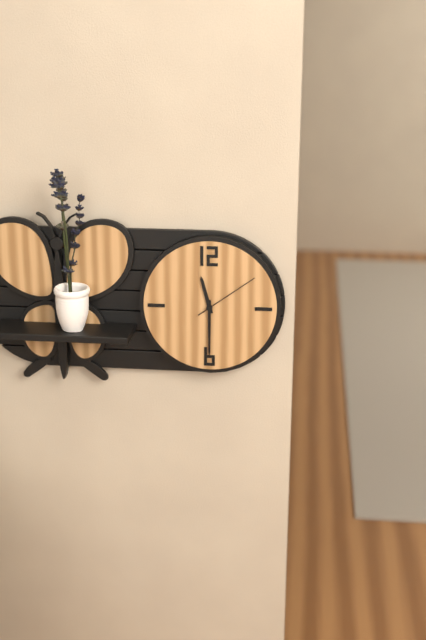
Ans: 11:30:09
